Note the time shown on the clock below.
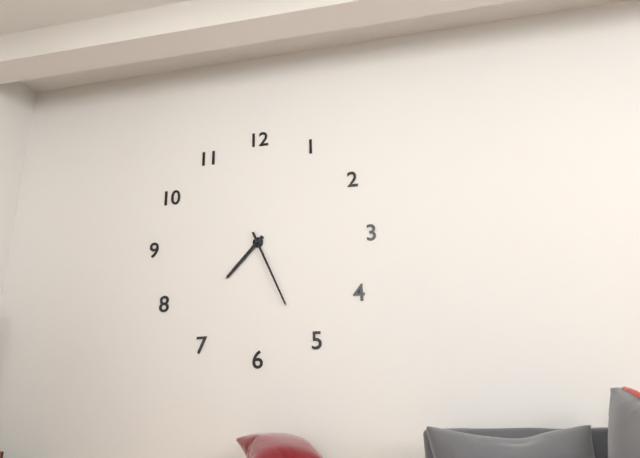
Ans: 7:26
